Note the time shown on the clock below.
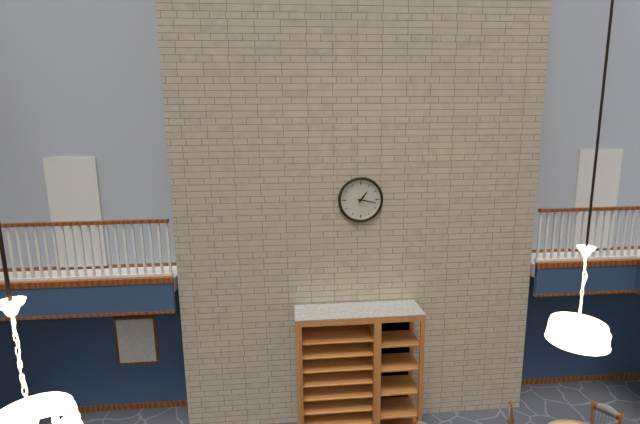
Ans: 1:17
